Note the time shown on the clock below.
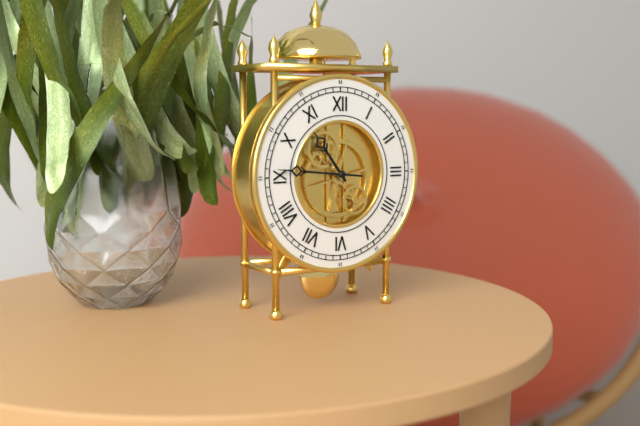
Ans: 10:46
